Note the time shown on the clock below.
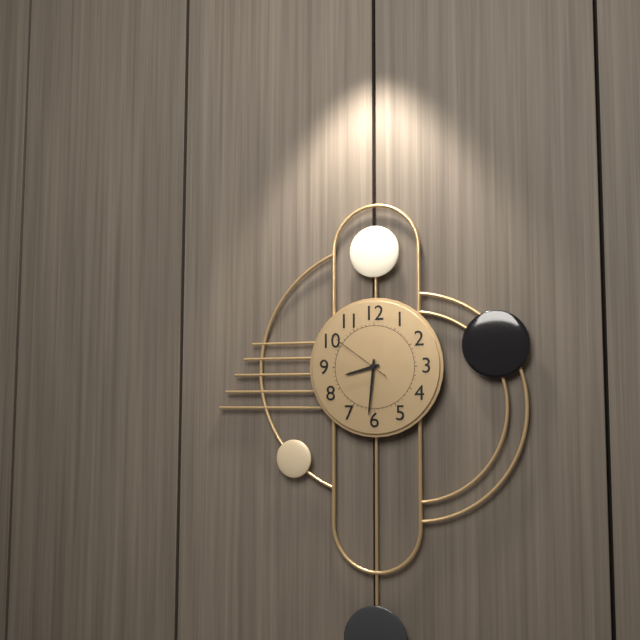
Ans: 8:31:51
